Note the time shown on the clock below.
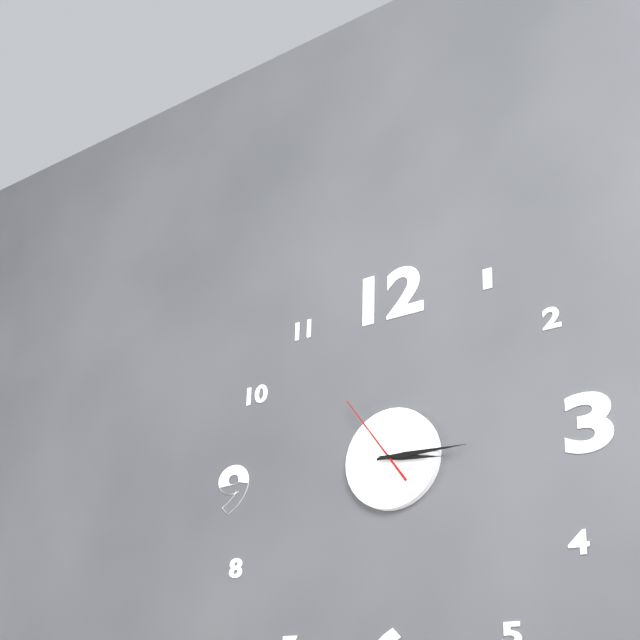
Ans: 3:15:54
